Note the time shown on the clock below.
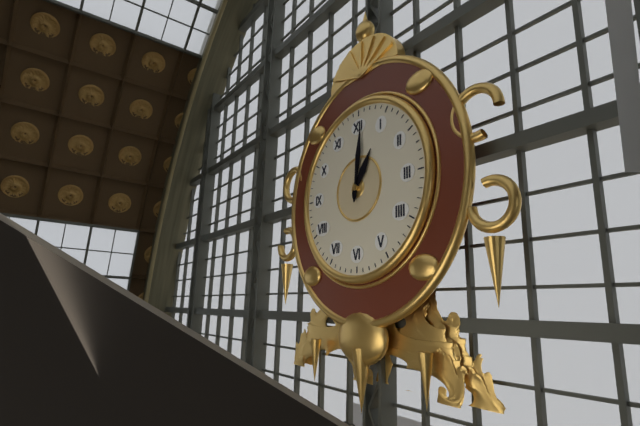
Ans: 1:01
